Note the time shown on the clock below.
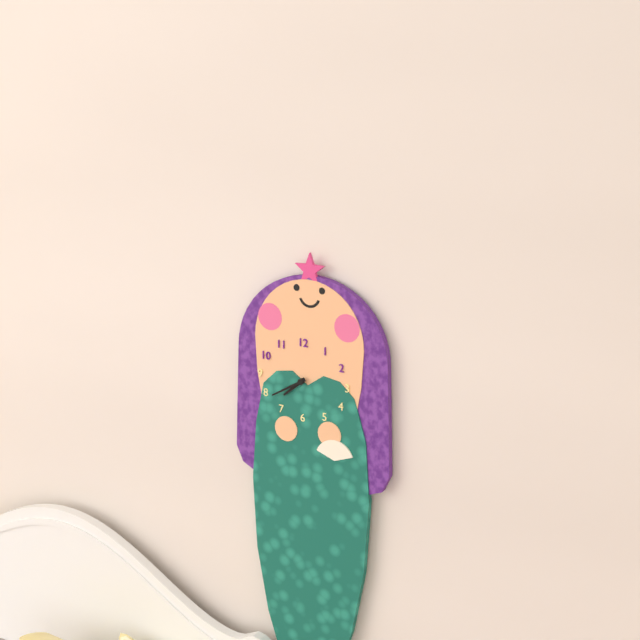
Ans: 7:40
